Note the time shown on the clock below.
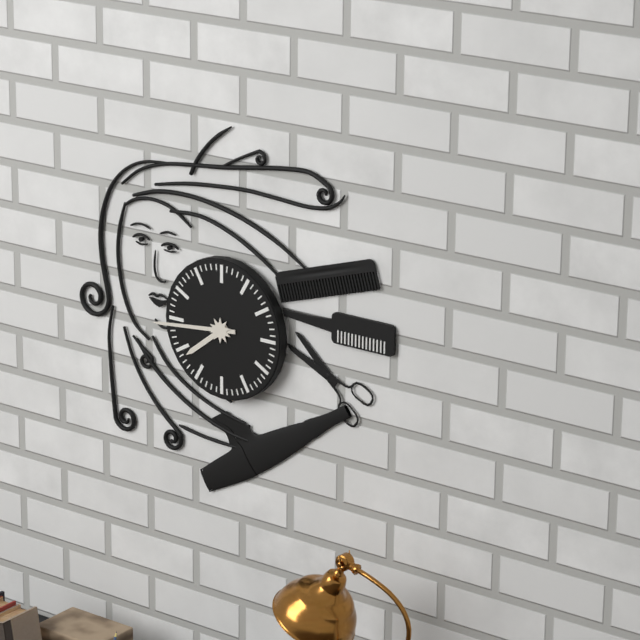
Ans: 7:44
